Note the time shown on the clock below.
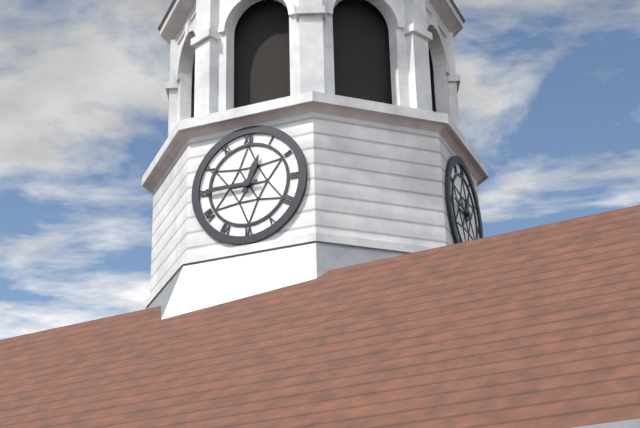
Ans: 12:45
